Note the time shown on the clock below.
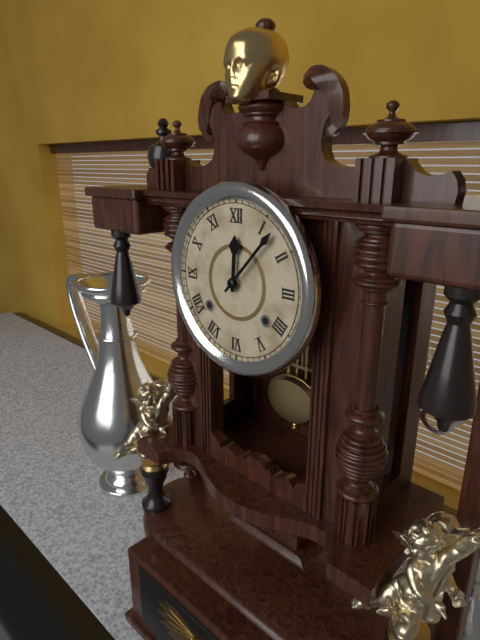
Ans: 12:07
